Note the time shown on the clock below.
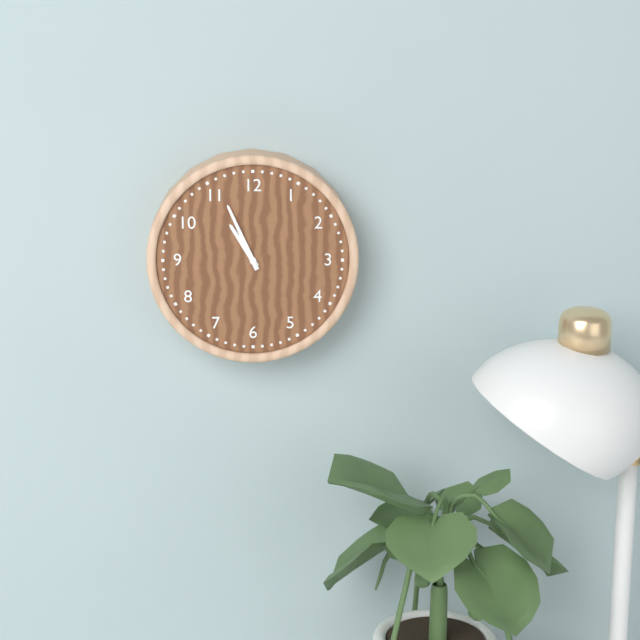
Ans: 10:56
